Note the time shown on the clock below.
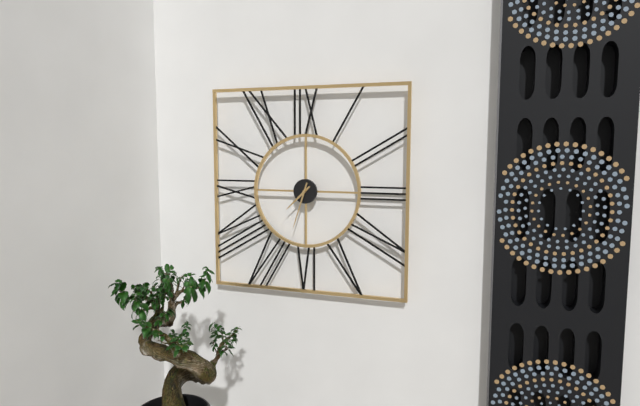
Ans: 7:33
